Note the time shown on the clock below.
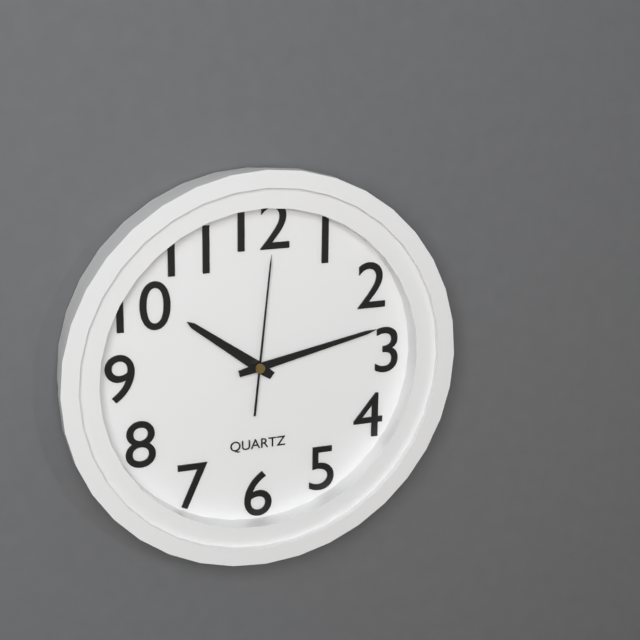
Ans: 10:13:01
